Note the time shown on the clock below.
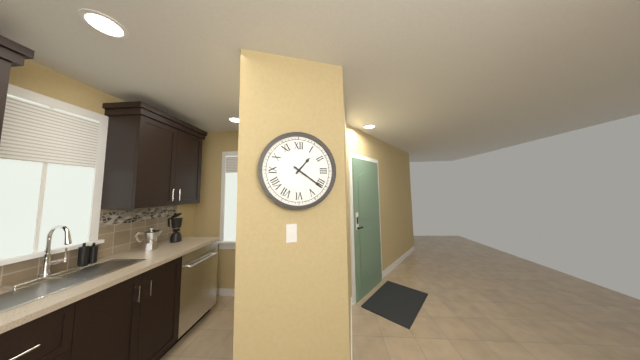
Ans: 1:21
